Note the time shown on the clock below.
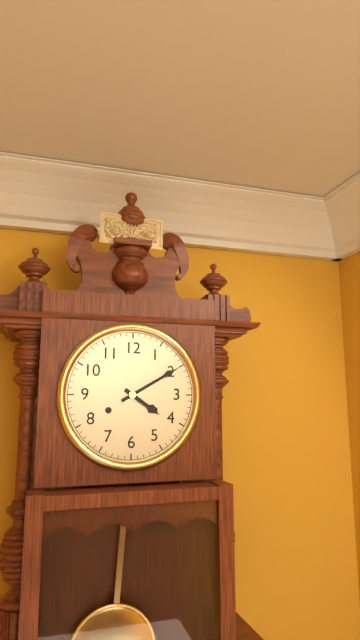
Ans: 4:10
